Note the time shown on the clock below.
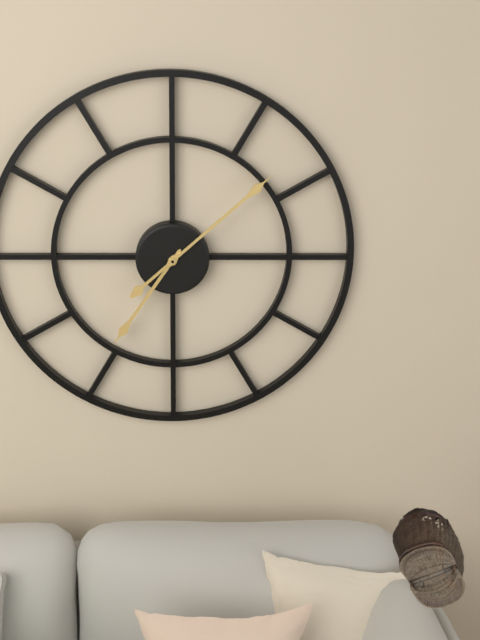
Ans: 7:08
